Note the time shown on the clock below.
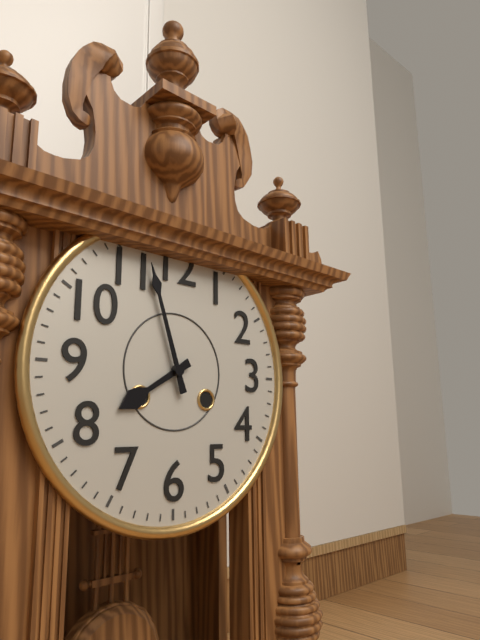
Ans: 7:57
